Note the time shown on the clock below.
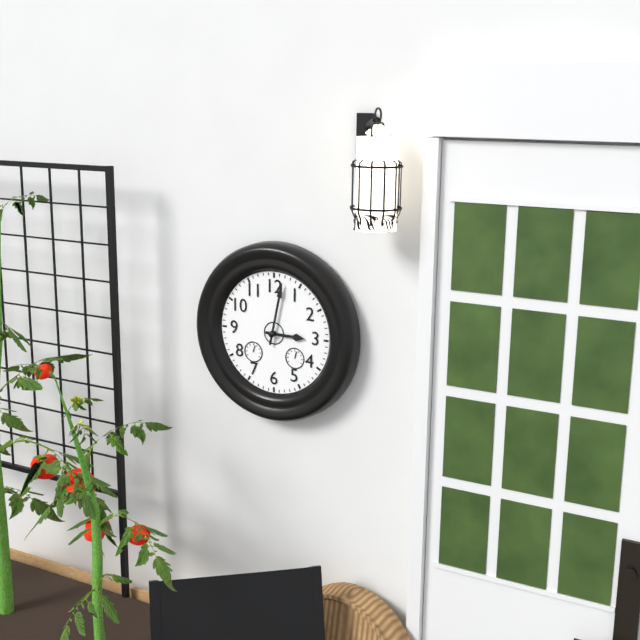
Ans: 3:02
